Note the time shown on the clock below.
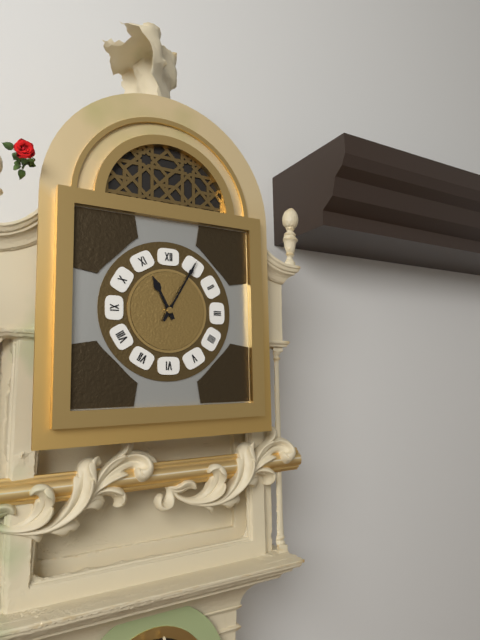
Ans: 11:05
